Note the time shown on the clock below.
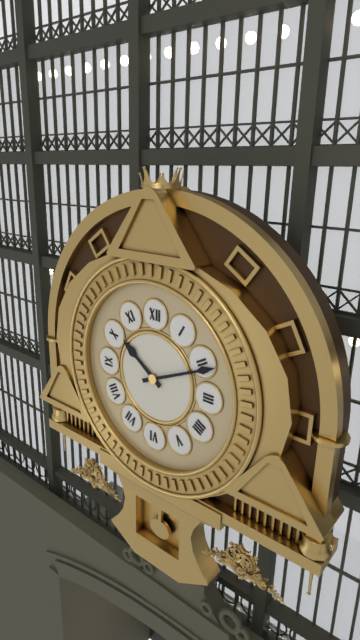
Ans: 10:11
